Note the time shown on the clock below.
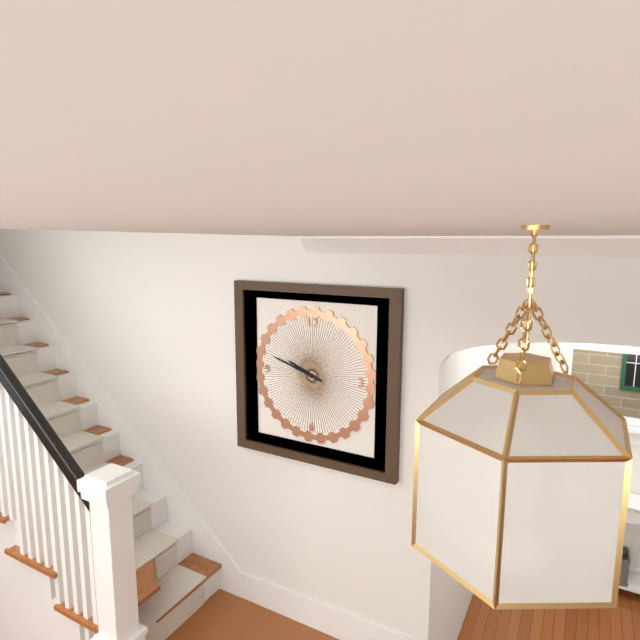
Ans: 9:48
